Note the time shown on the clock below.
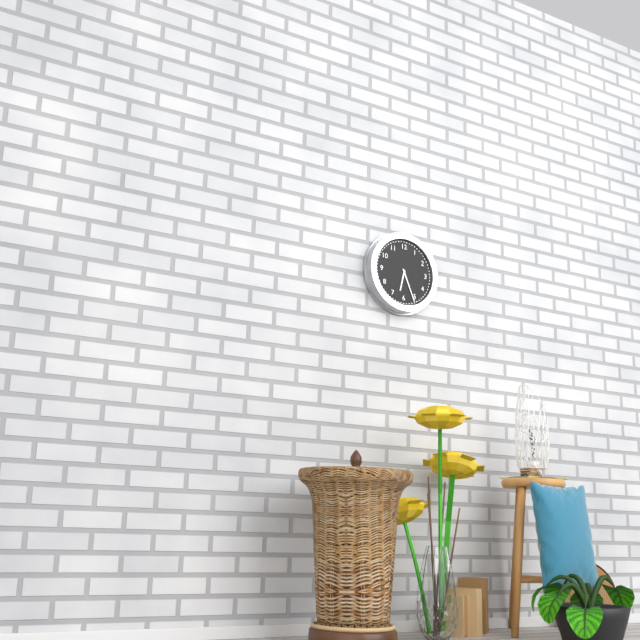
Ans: 6:26
